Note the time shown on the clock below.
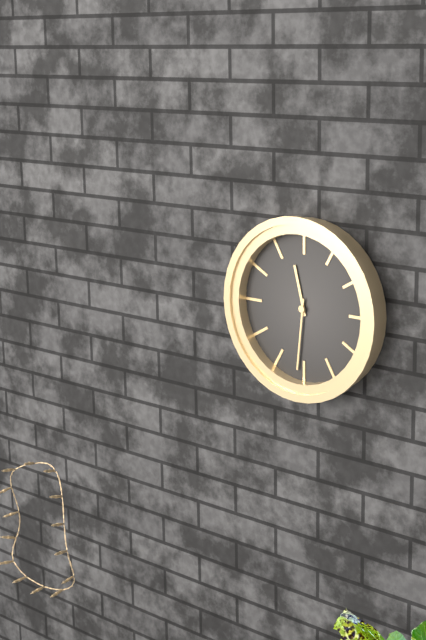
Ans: 11:31
